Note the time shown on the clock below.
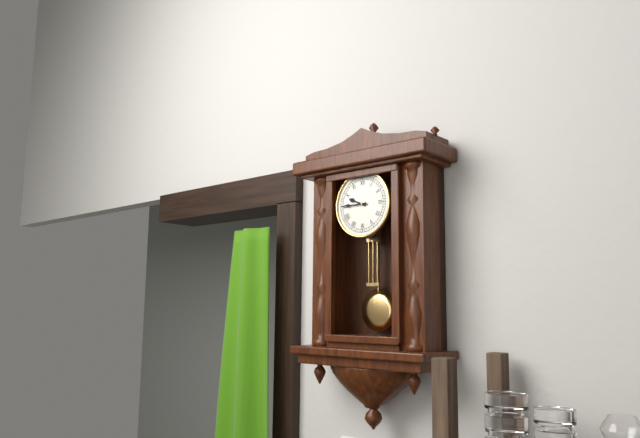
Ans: 9:45
